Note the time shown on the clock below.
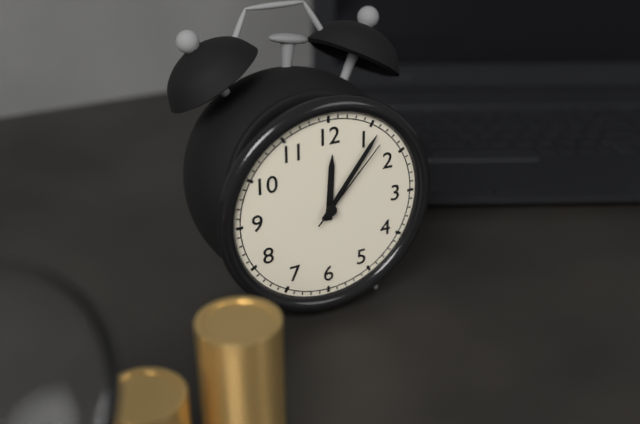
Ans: 12:06:07
